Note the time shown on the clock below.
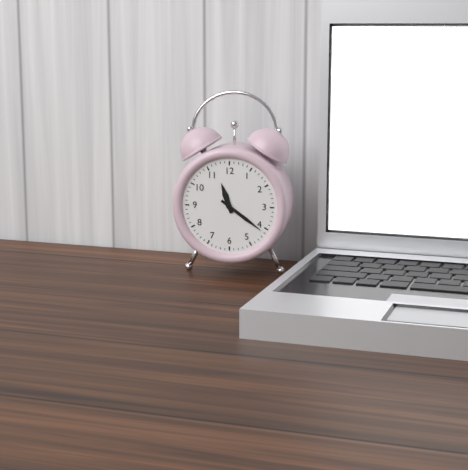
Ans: 11:21
